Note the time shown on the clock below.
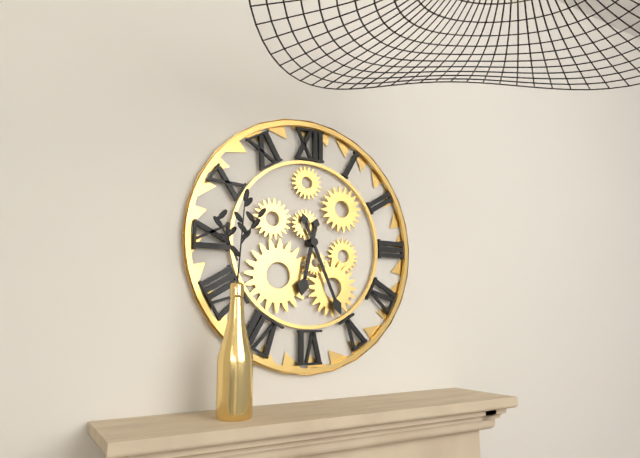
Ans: 6:26
